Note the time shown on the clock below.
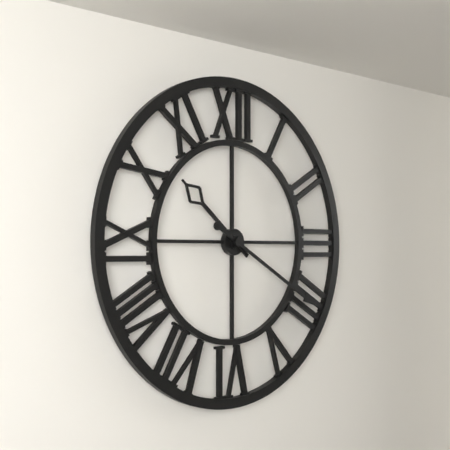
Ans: 10:20
